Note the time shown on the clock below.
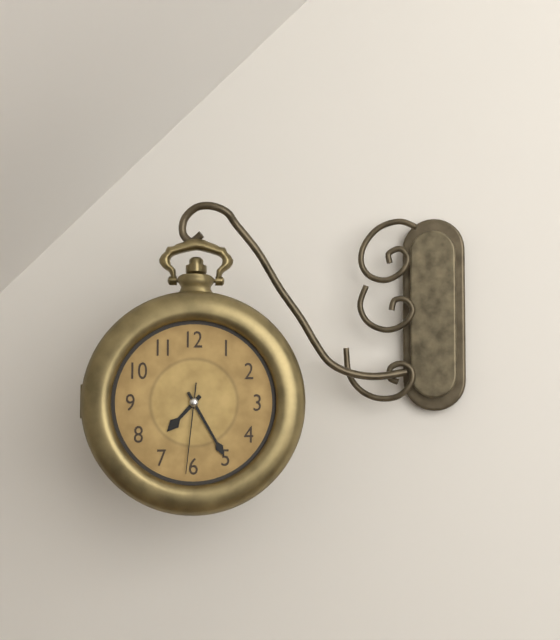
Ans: 7:25:31
